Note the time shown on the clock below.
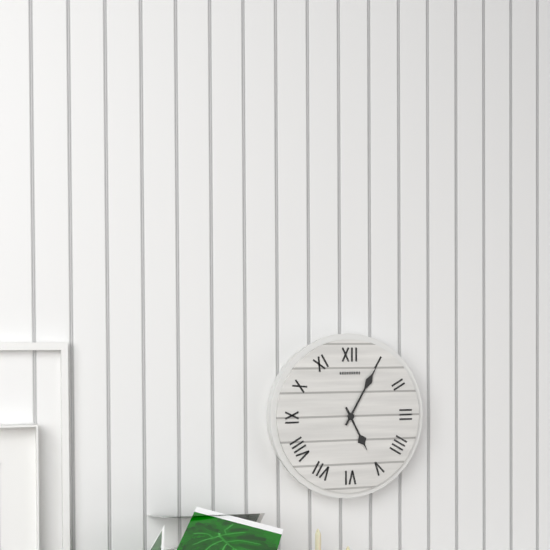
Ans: 5:05
